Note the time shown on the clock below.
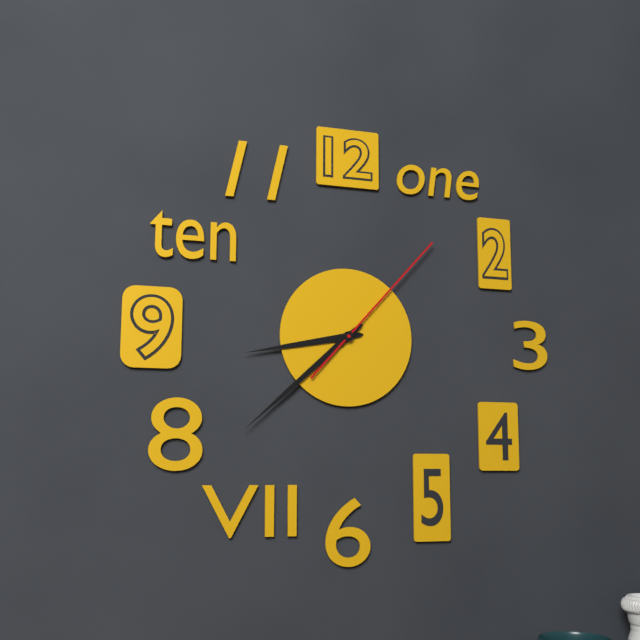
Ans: 8:38:07
